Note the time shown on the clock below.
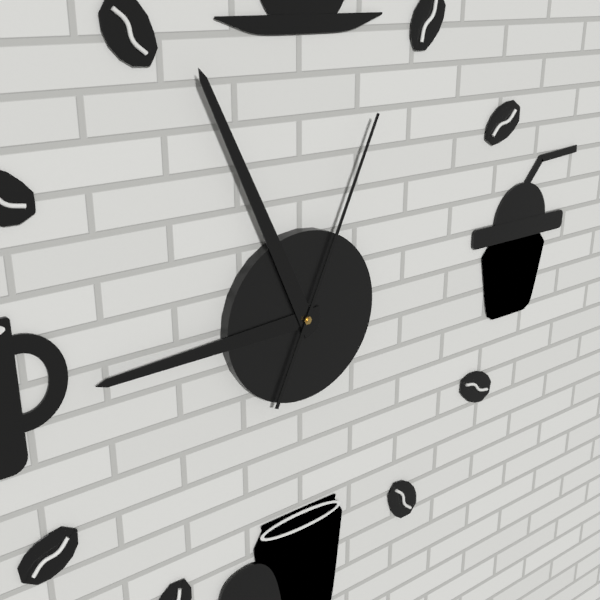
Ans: 8:56:04
